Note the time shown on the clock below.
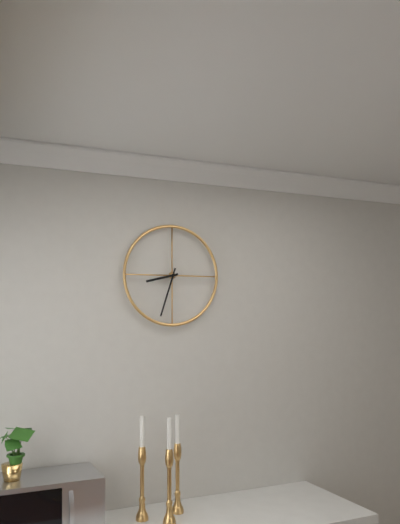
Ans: 8:33
